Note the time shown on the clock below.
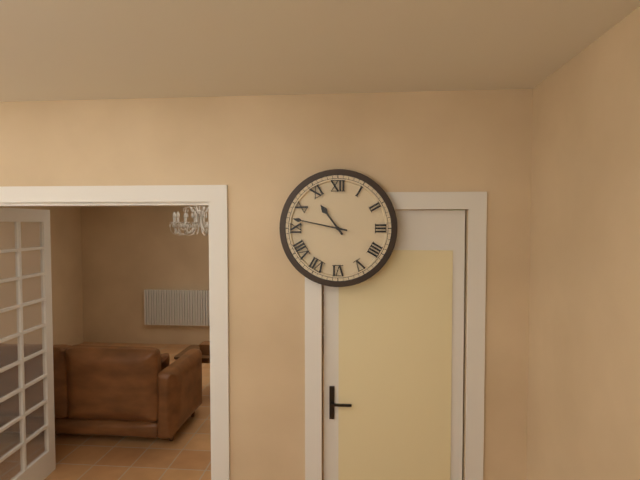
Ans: 10:47
